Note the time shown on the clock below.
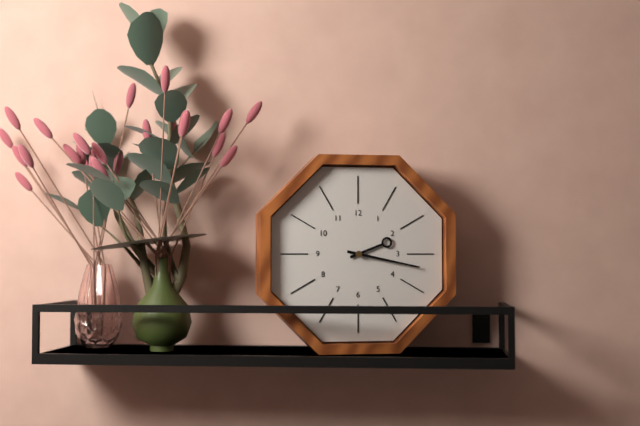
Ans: 2:17
